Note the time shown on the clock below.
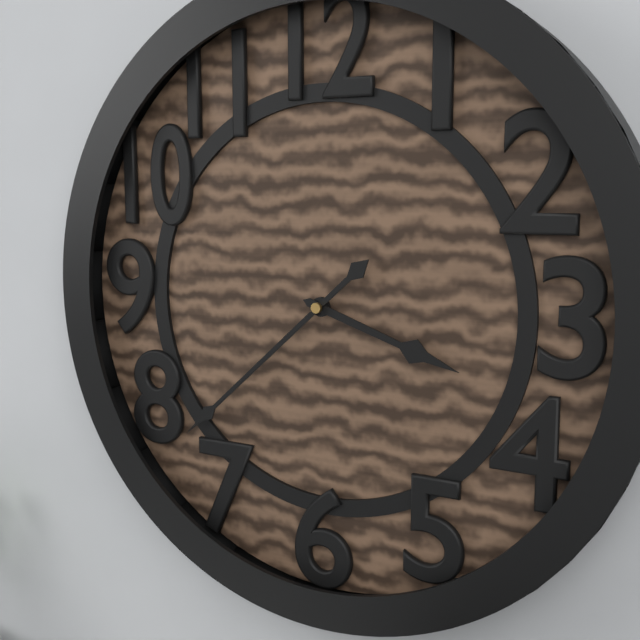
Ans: 3:38
